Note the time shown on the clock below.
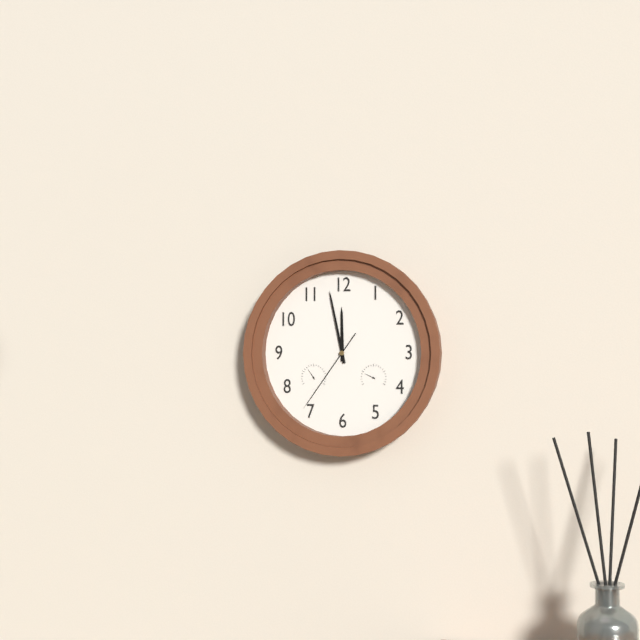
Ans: 11:58:36
